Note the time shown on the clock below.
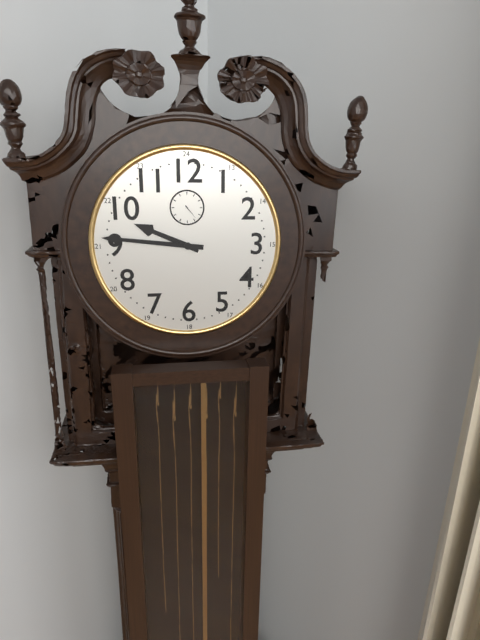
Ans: 9:46
